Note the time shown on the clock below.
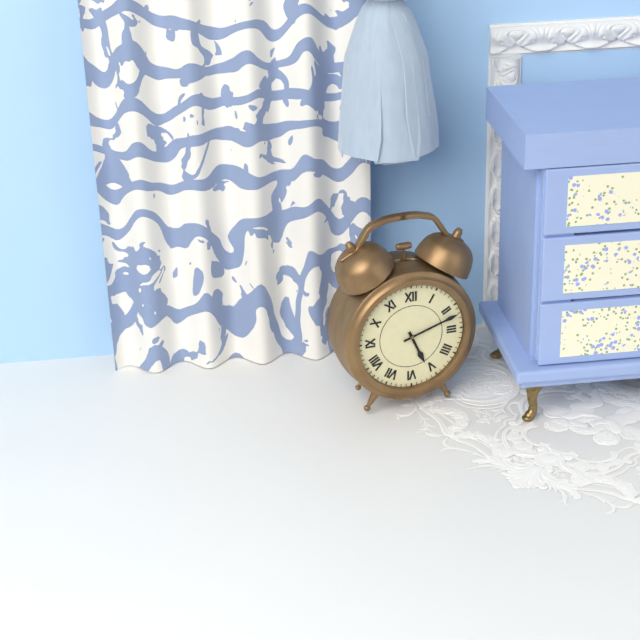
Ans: 5:12
